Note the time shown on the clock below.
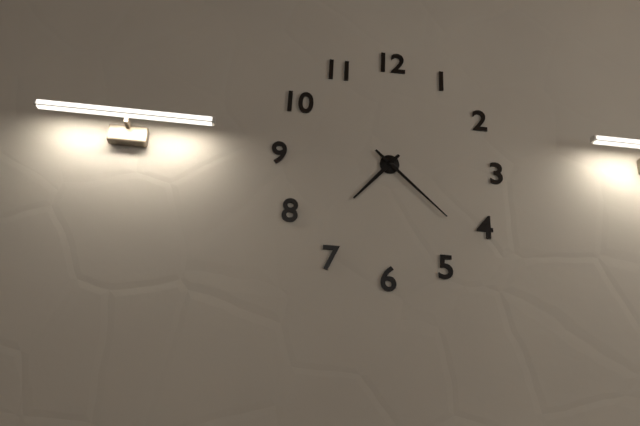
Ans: 7:22
